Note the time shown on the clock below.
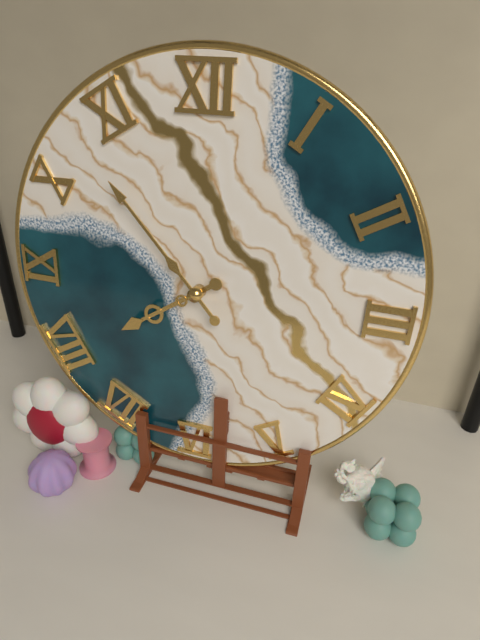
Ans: 7:53
